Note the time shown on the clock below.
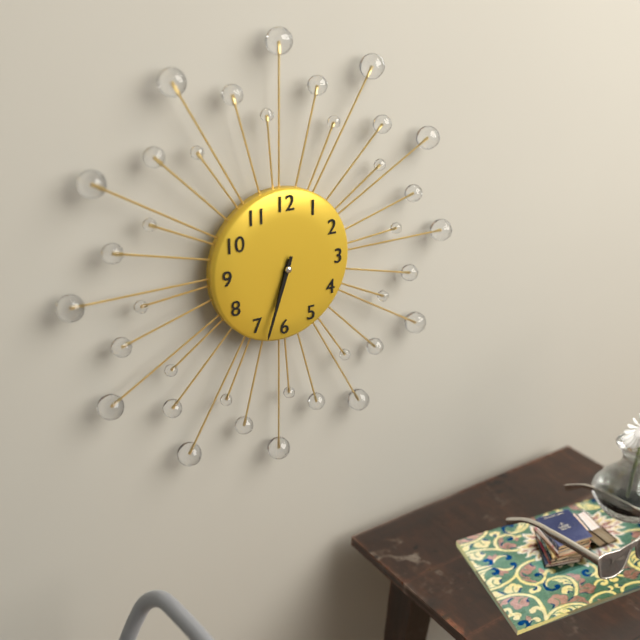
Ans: 6:33
